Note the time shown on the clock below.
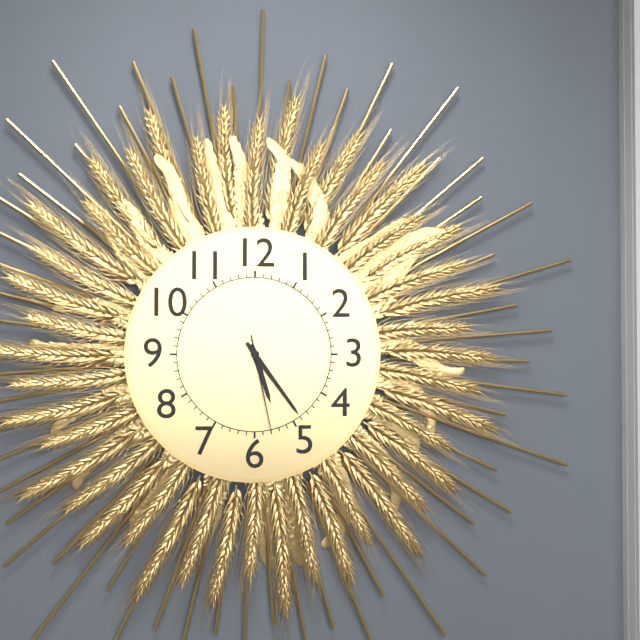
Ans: 5:24:28
